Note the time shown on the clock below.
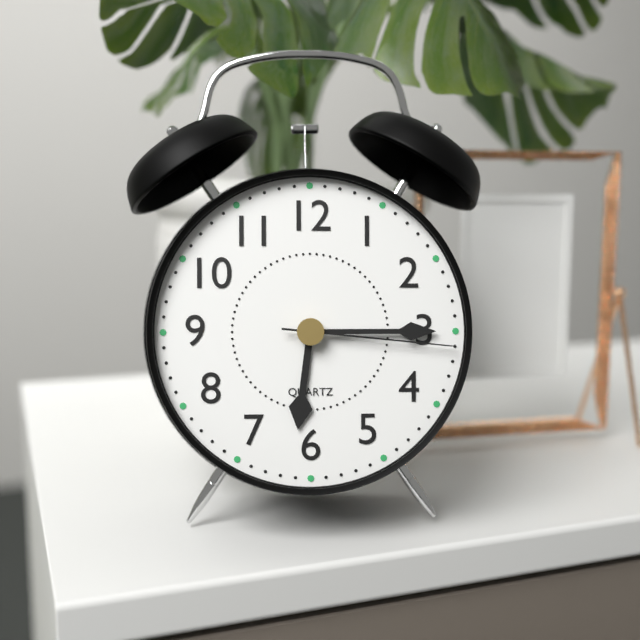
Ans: 6:15:16
